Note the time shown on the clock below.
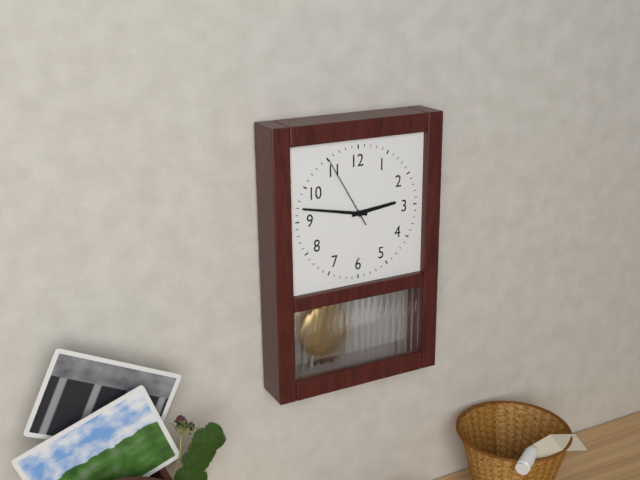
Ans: 2:47:55
